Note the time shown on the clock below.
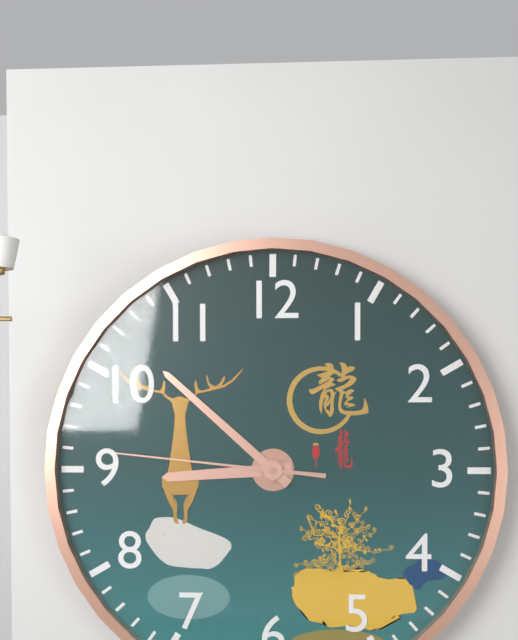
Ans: 8:52:46
